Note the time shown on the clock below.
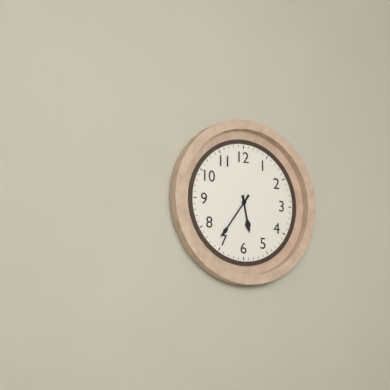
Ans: 5:36
